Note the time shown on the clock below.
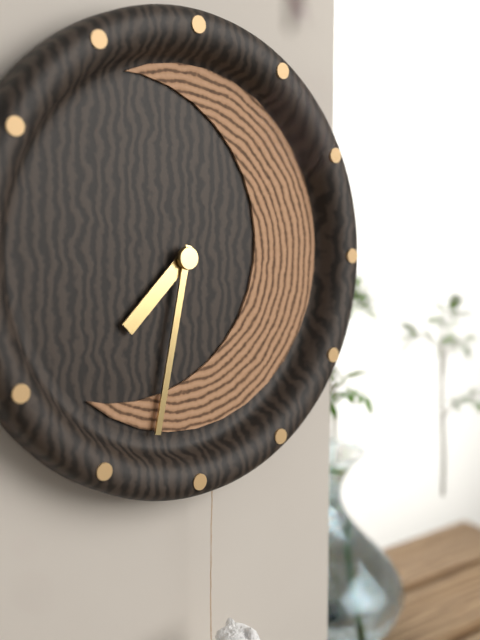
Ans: 7:32
